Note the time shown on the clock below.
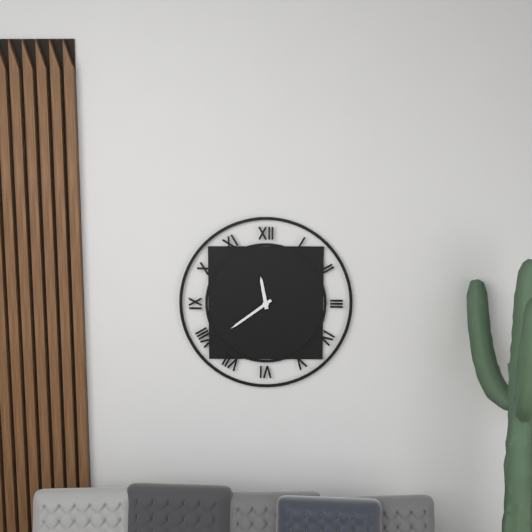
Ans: 11:39
